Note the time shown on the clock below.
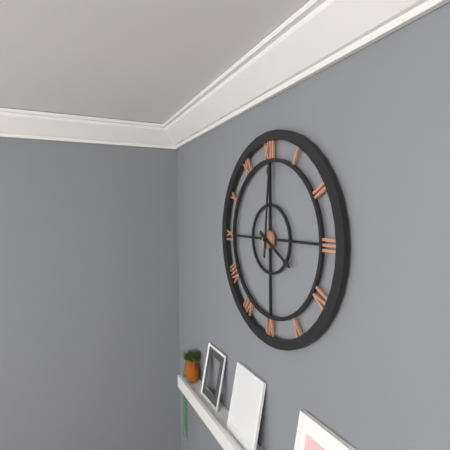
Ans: 4:01
